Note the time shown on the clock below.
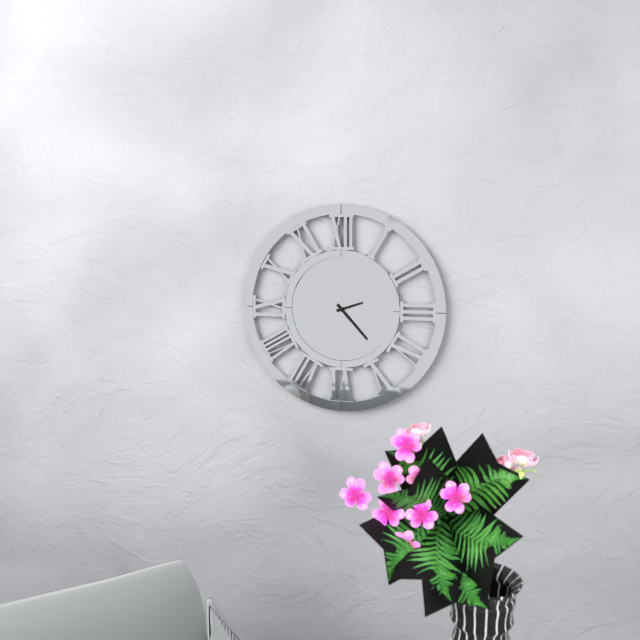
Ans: 2:23
